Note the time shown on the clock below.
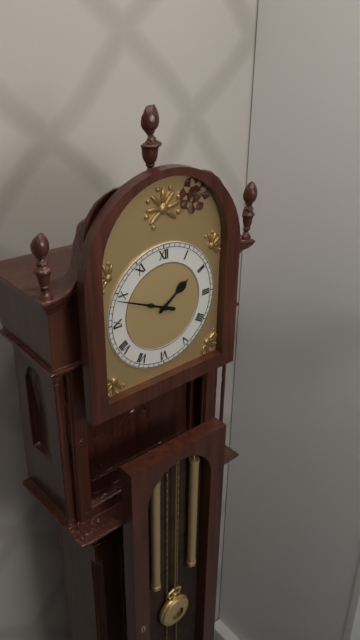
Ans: 1:49
